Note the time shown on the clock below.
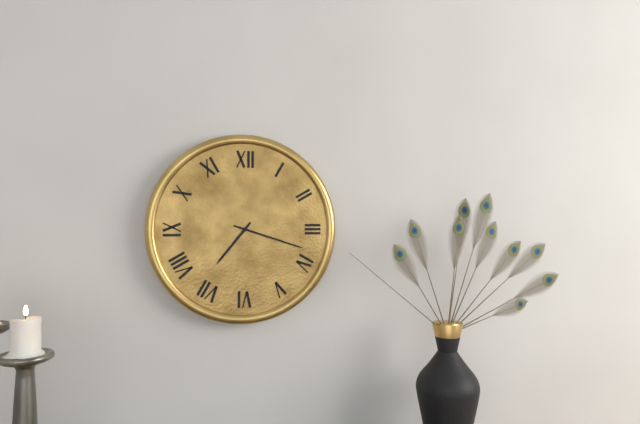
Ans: 7:18
